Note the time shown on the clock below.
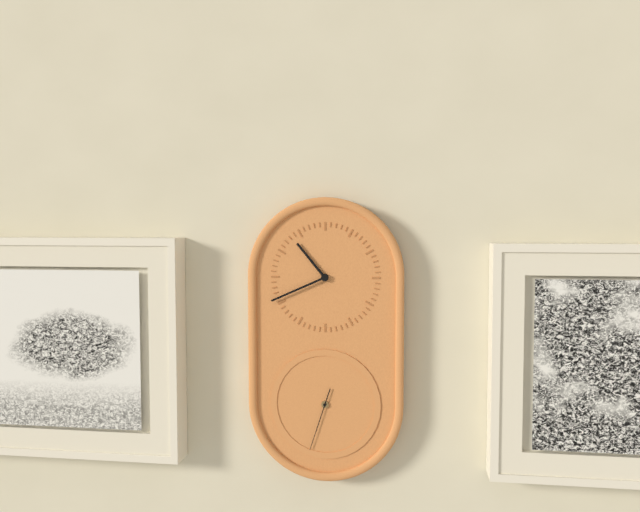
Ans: 10:41:33
